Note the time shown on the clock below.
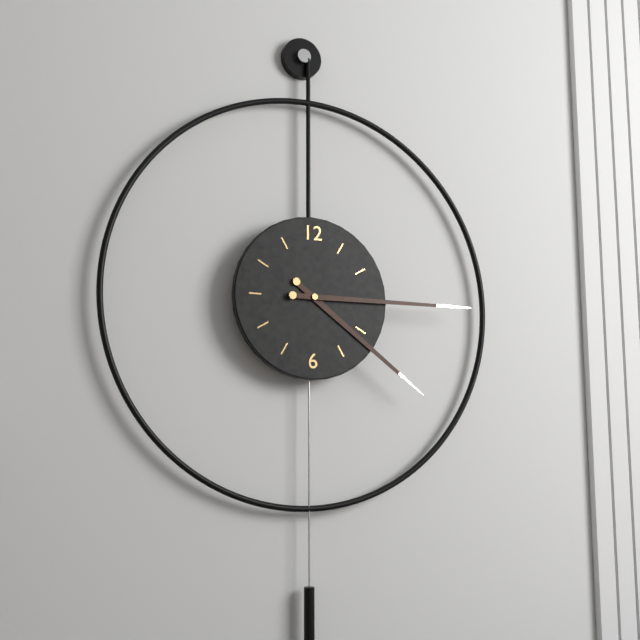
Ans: 4:15
